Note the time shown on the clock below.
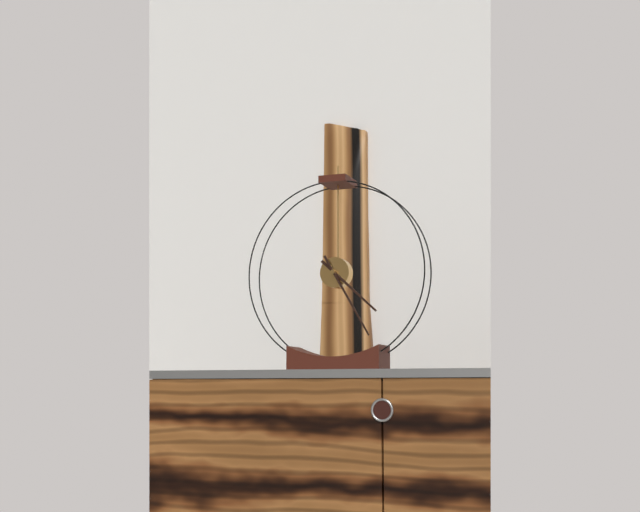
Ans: 4:25
